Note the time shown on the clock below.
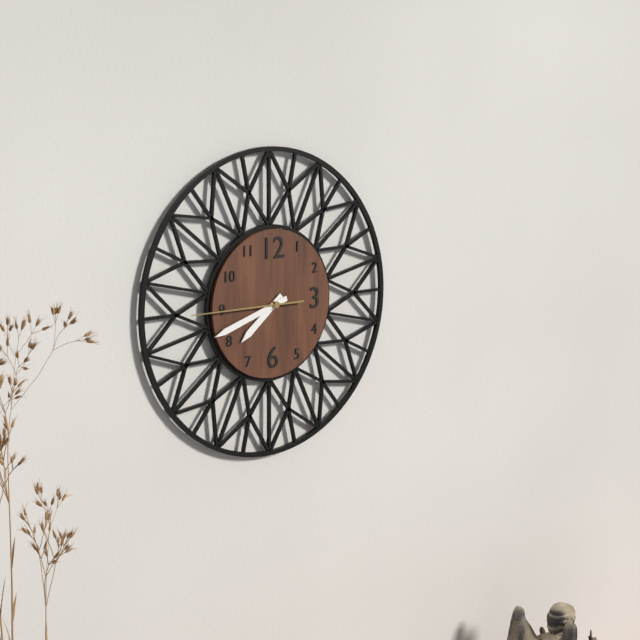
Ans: 7:42:45
